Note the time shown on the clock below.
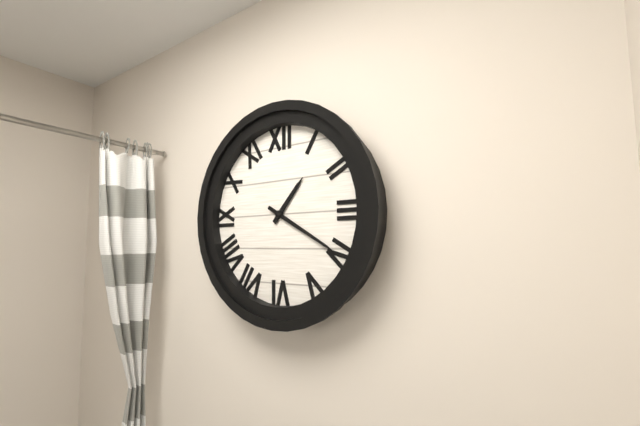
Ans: 1:20
